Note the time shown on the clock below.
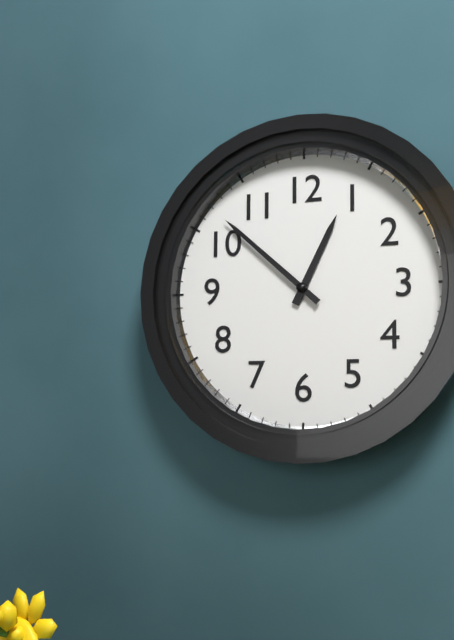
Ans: 12:52
